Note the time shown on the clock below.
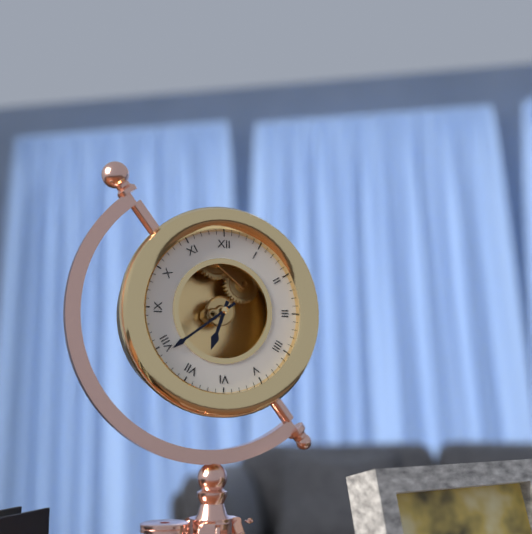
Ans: 6:39
